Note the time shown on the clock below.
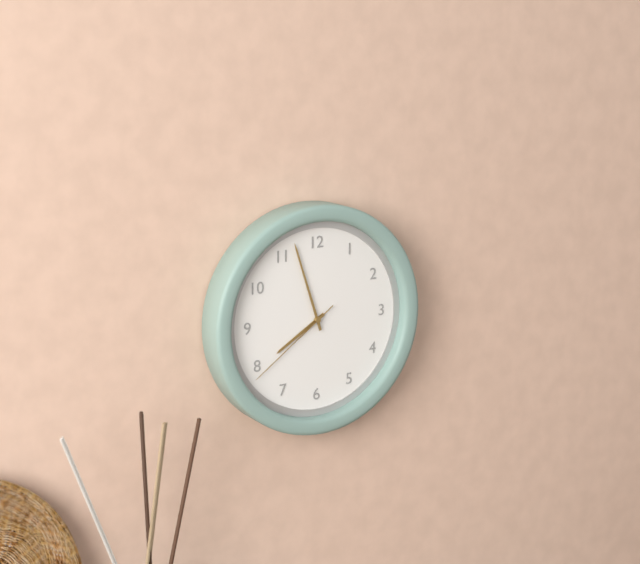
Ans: 7:57:39
